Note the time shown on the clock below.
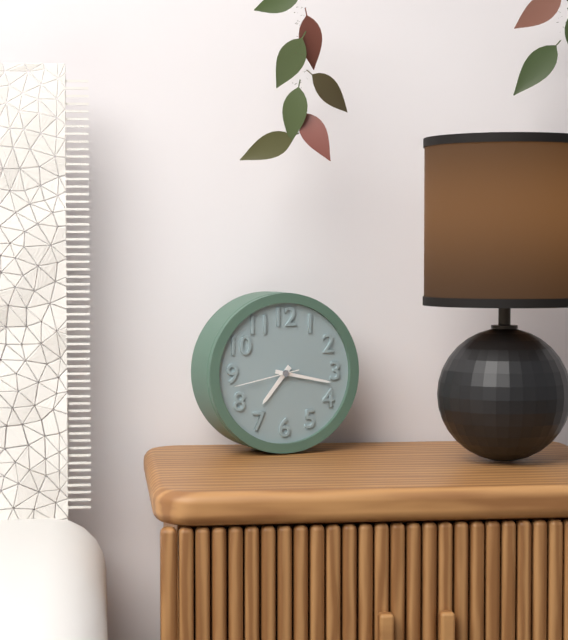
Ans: 7:17:43
